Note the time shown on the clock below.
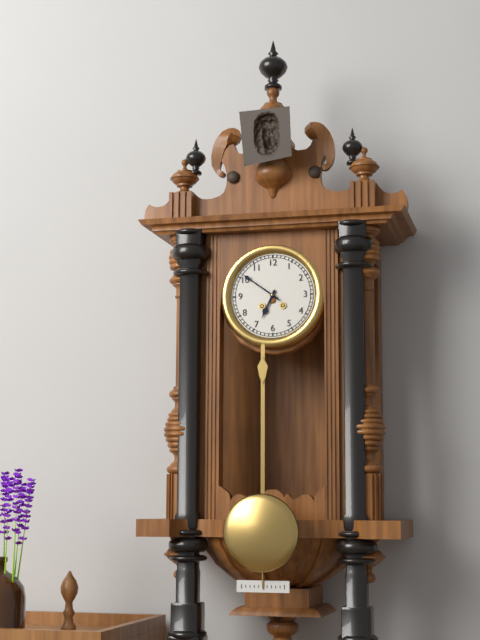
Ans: 6:51
